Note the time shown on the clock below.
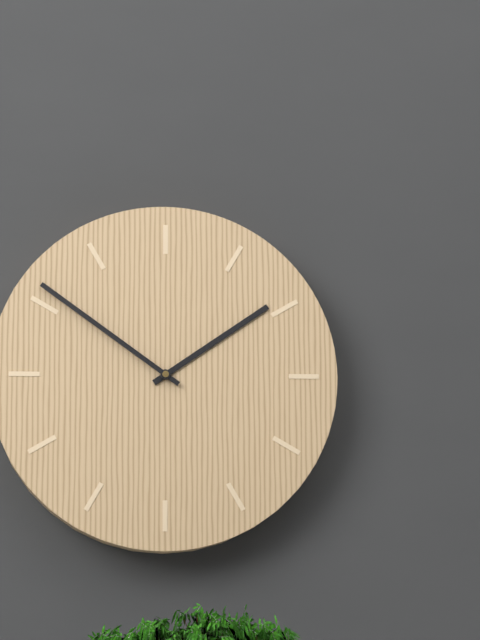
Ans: 1:51
